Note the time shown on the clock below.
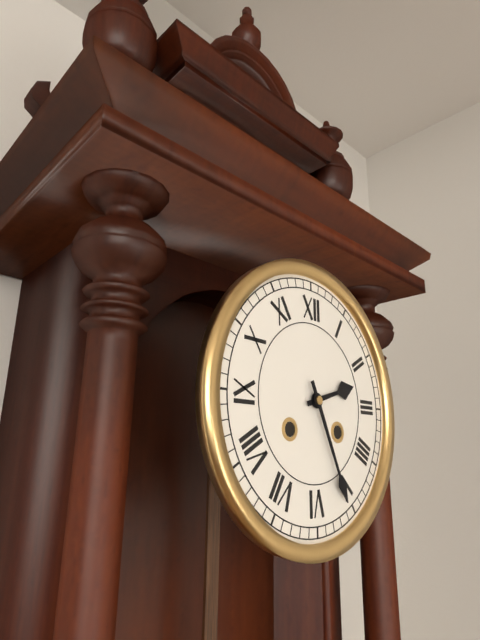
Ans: 2:26
